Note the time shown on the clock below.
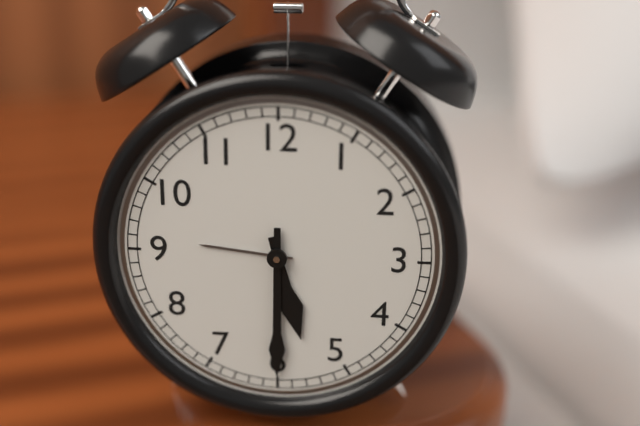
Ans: 5:30
